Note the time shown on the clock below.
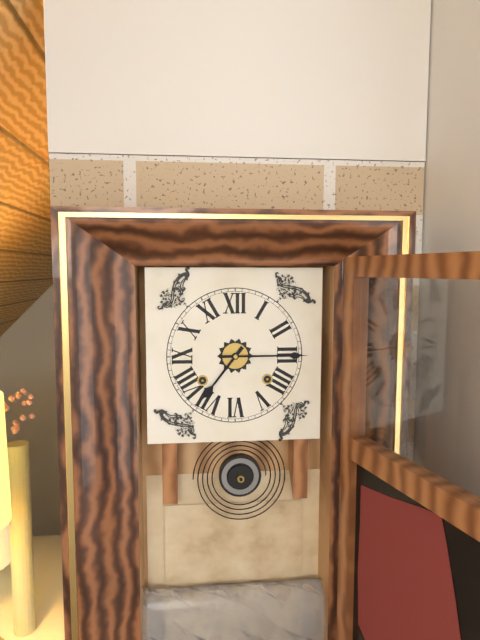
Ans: 7:15
